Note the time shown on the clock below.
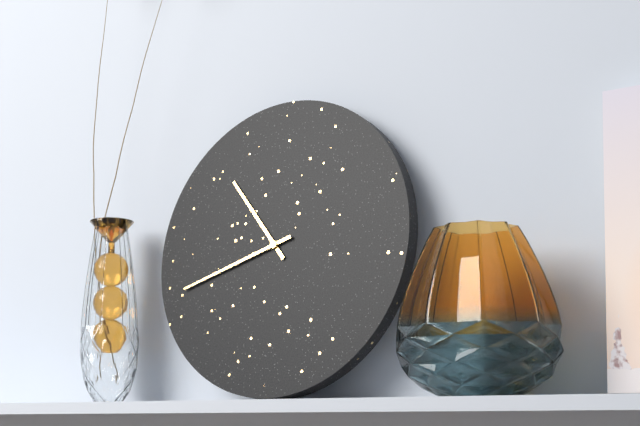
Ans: 10:42
